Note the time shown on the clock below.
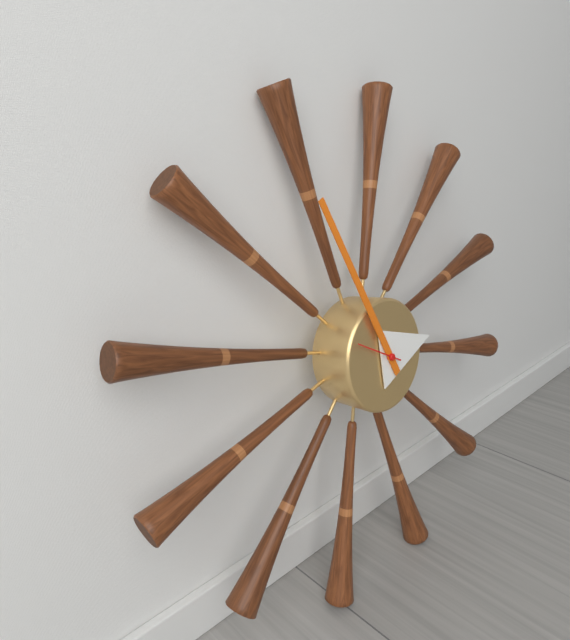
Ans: 2:56
